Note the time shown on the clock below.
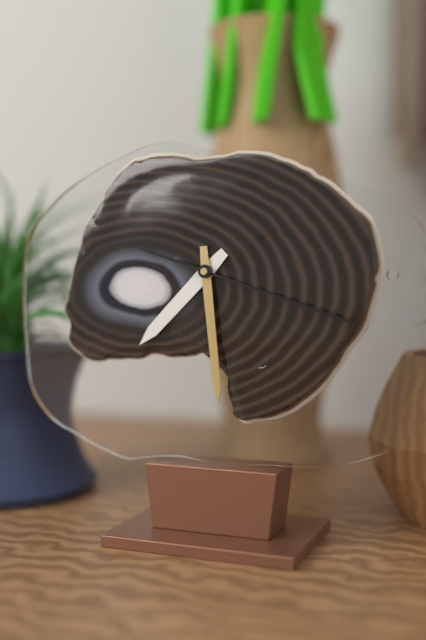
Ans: 7:29:18
